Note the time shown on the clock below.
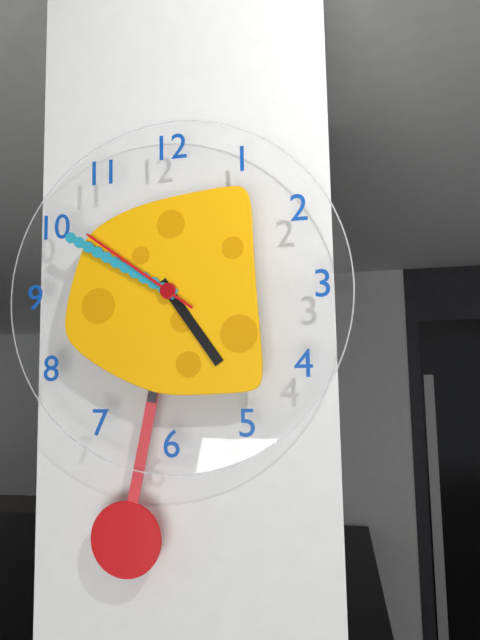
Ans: 4:50:51
